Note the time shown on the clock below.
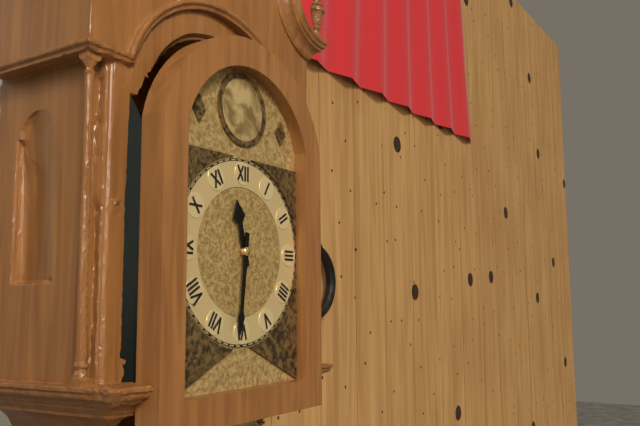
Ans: 11:31
